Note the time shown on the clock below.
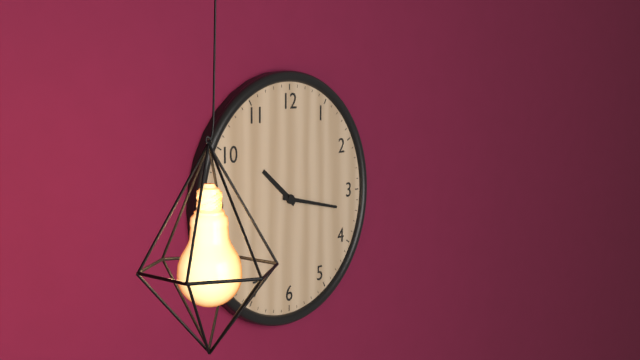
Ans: 10:17
